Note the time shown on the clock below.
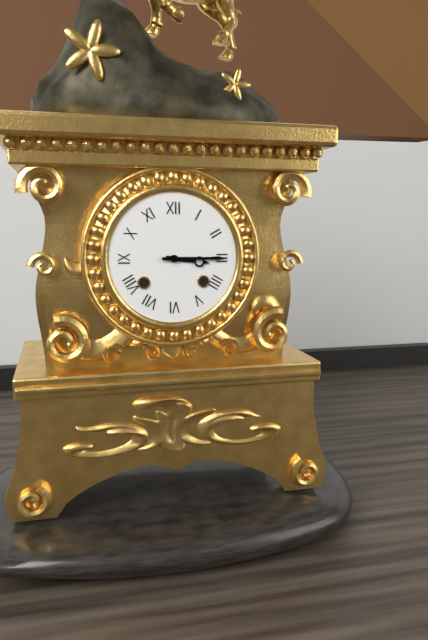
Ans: 3:15
